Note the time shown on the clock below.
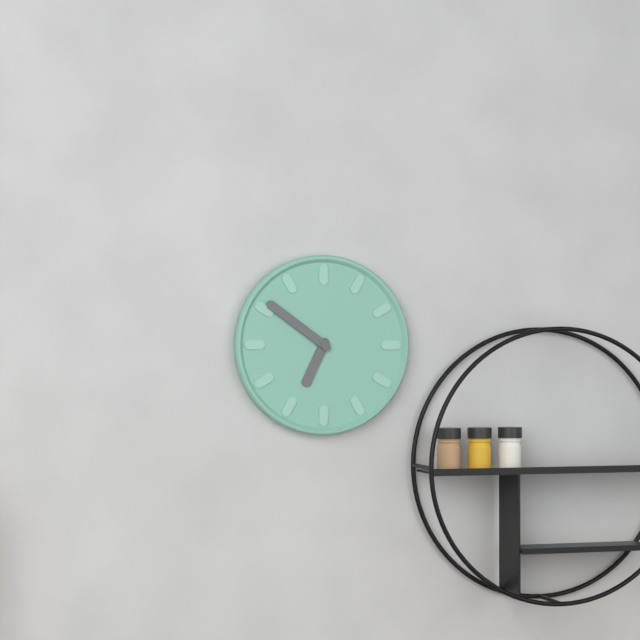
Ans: 6:51
